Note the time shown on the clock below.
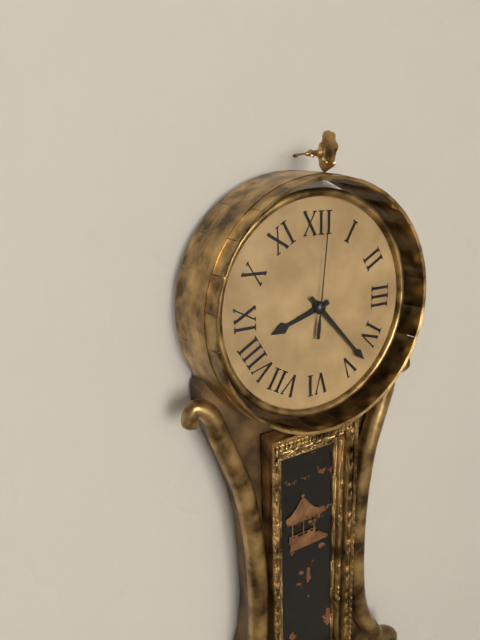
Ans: 8:23:01
